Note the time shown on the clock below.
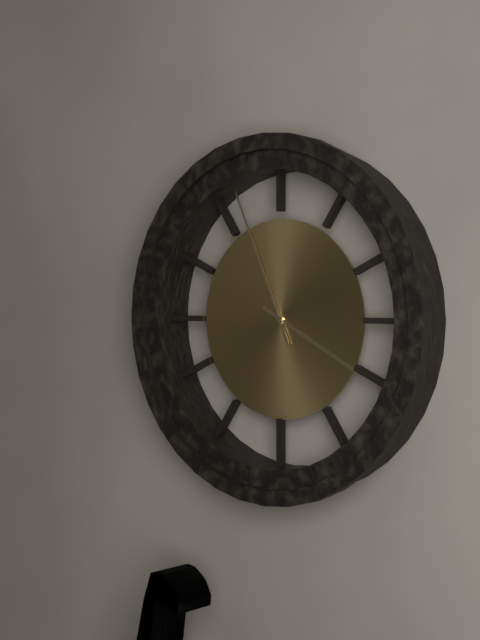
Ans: 3:56
